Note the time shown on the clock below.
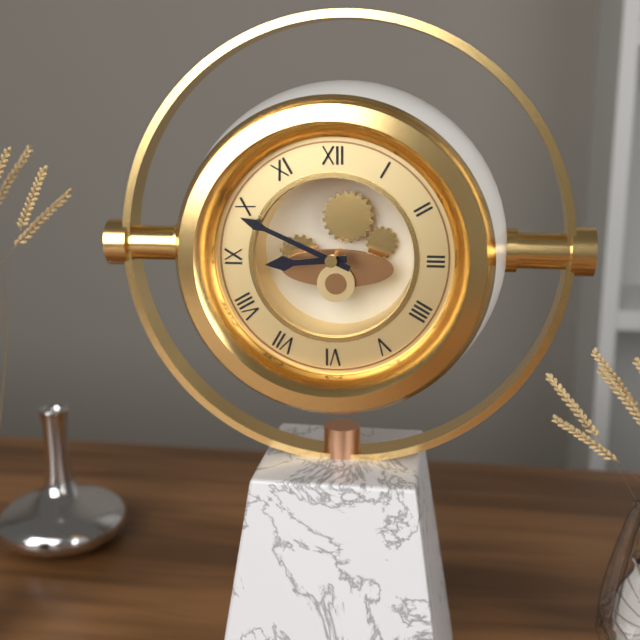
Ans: 8:49
